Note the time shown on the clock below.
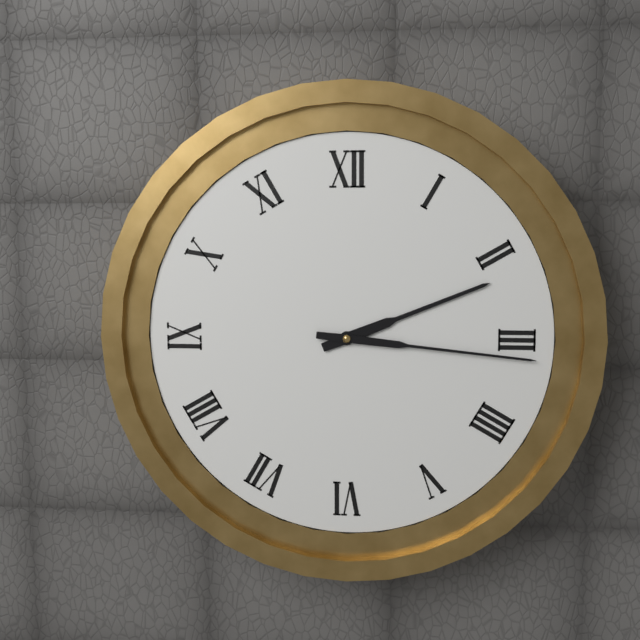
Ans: 2:16
